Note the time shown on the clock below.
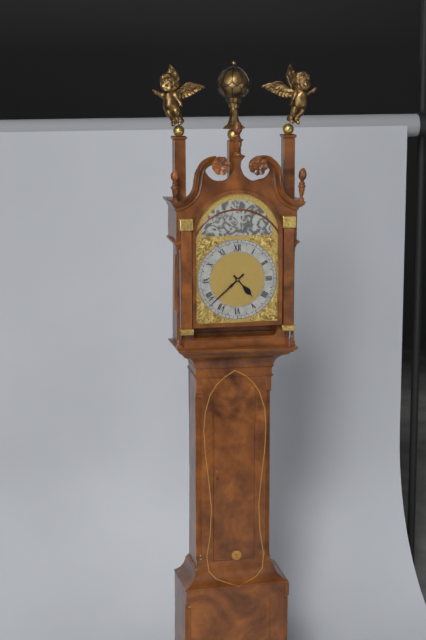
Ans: 4:38
